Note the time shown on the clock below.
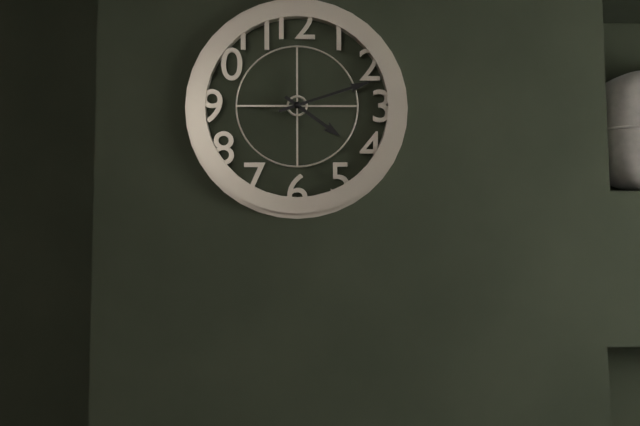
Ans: 4:12
